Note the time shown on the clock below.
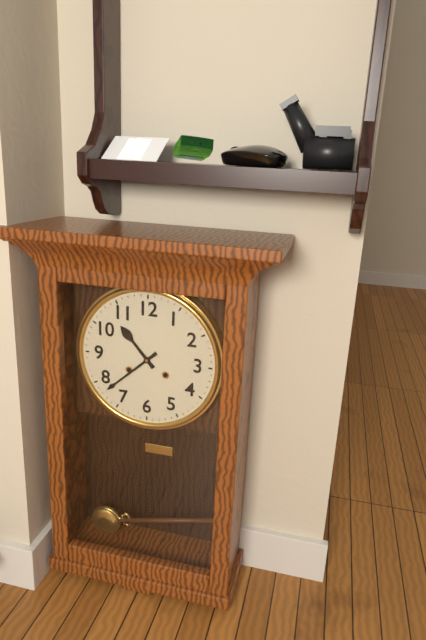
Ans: 10:38
